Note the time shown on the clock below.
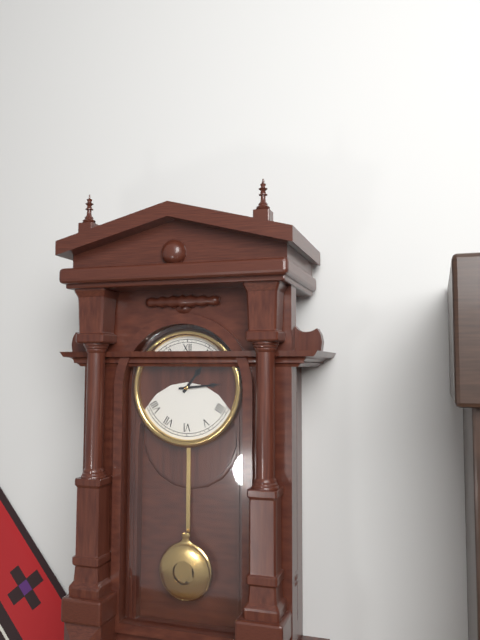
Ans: 1:14
